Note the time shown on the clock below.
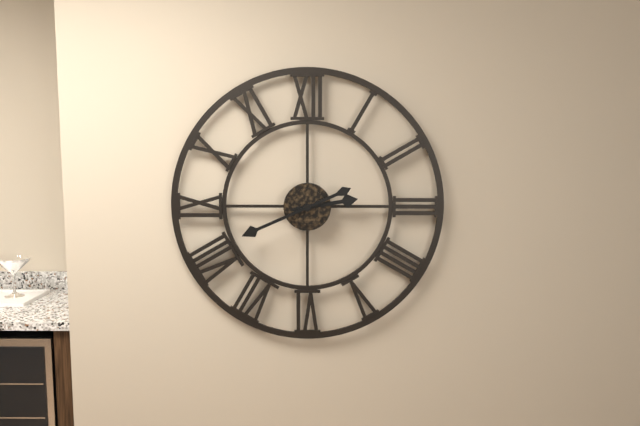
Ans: 2:41
